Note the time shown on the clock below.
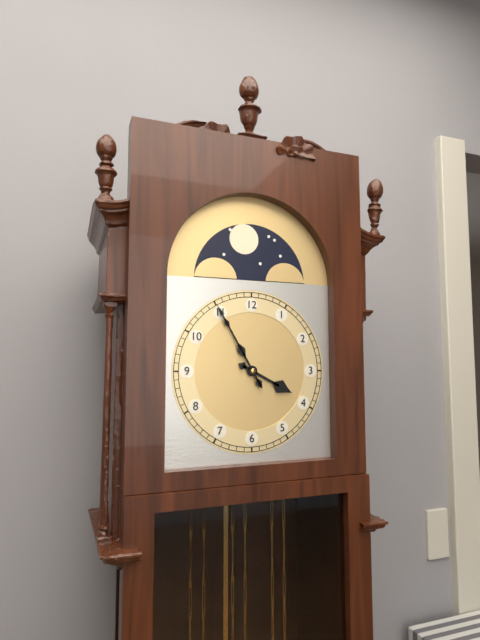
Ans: 3:55
